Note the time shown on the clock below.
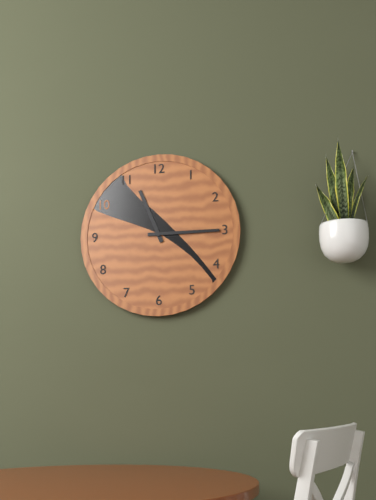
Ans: 11:15
